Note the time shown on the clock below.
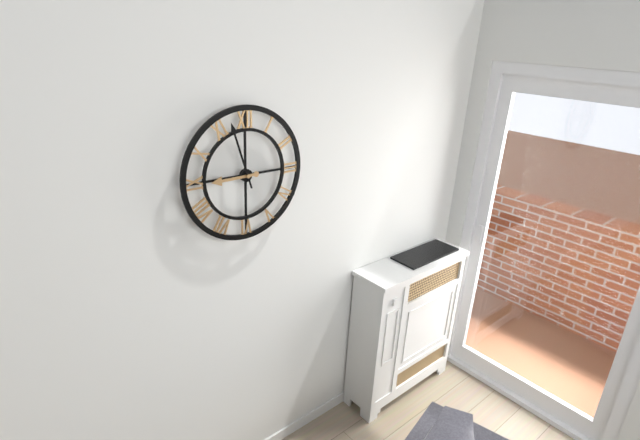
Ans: 8:57
